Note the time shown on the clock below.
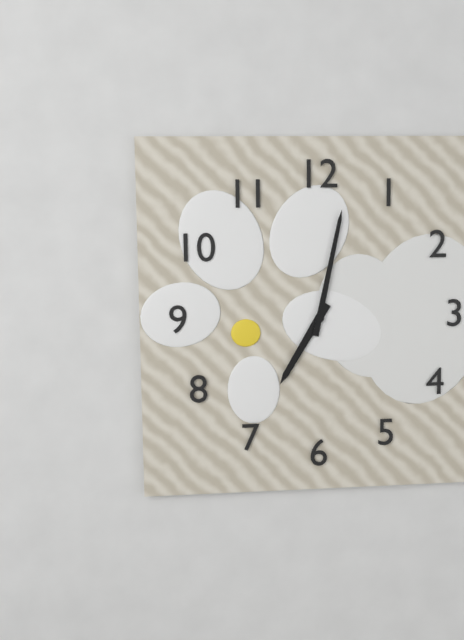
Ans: 7:02
